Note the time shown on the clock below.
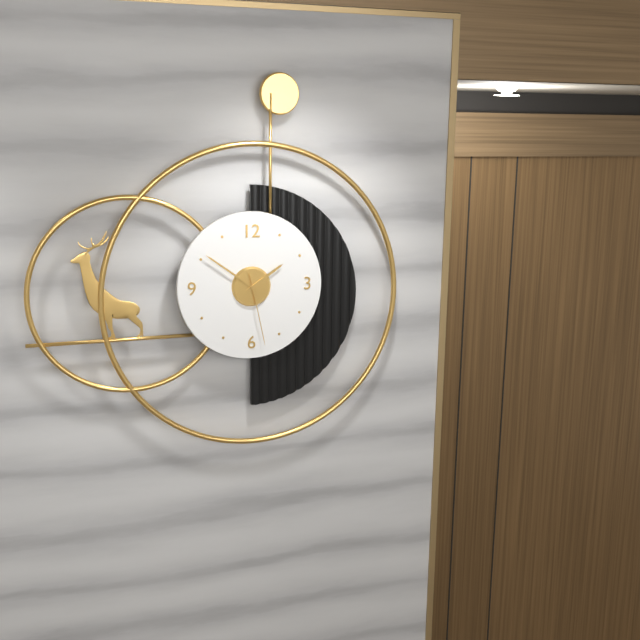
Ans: 1:51:28
